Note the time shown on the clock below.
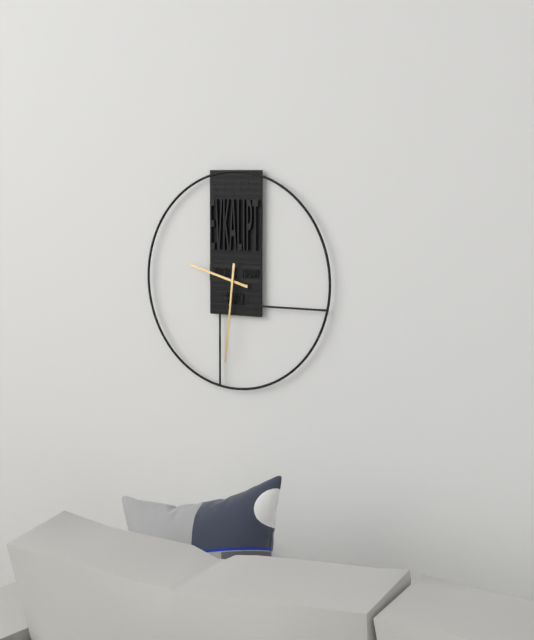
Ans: 9:31
